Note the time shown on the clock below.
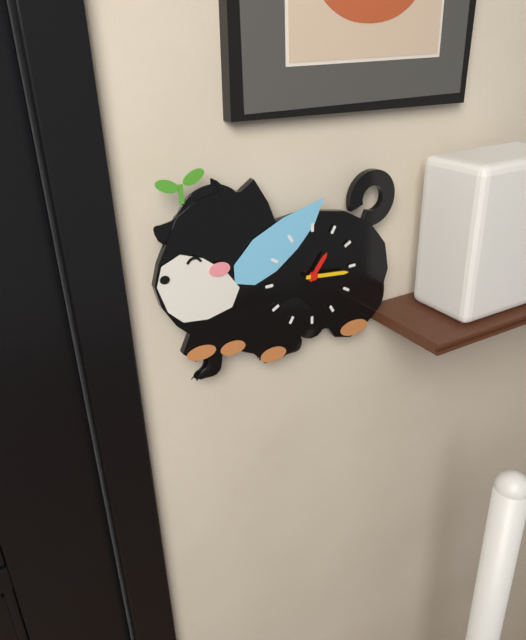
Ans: 1:16
